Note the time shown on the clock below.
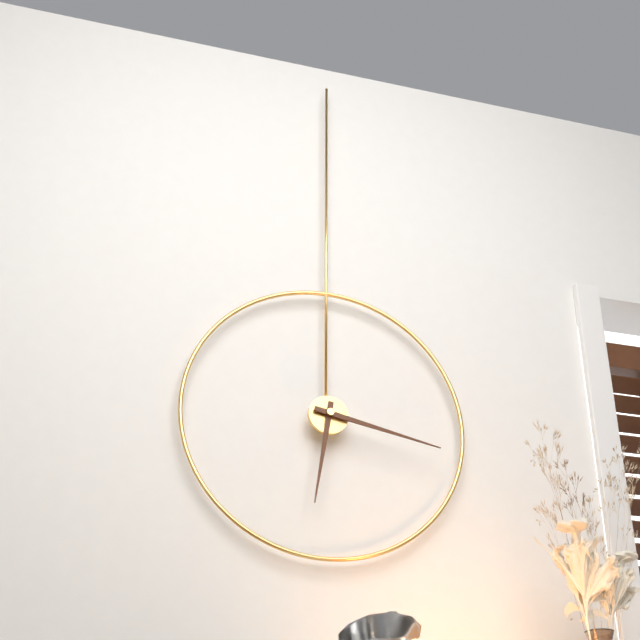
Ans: 6:17
